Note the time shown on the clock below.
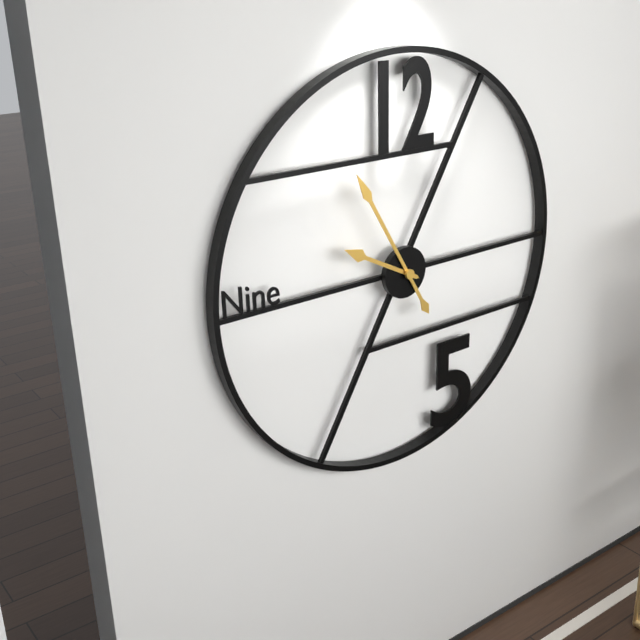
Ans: 9:55
